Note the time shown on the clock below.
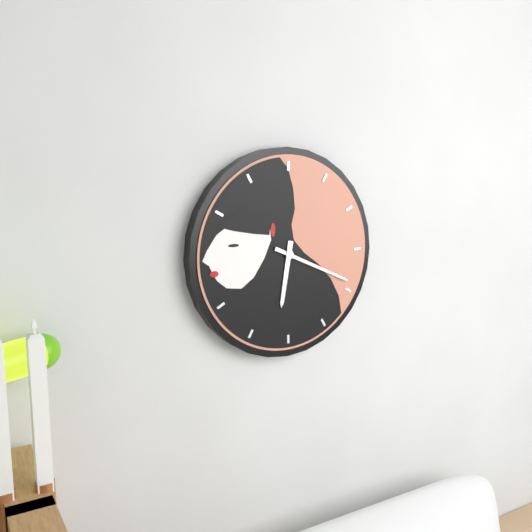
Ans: 6:19
